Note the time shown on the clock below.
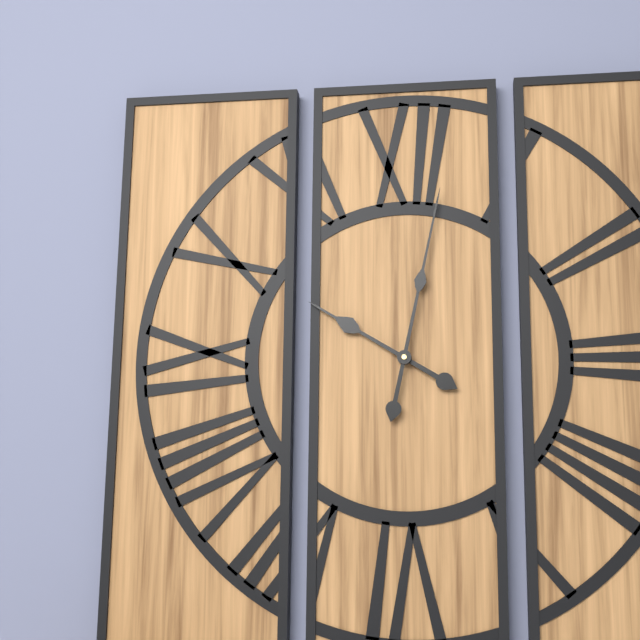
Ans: 10:02
